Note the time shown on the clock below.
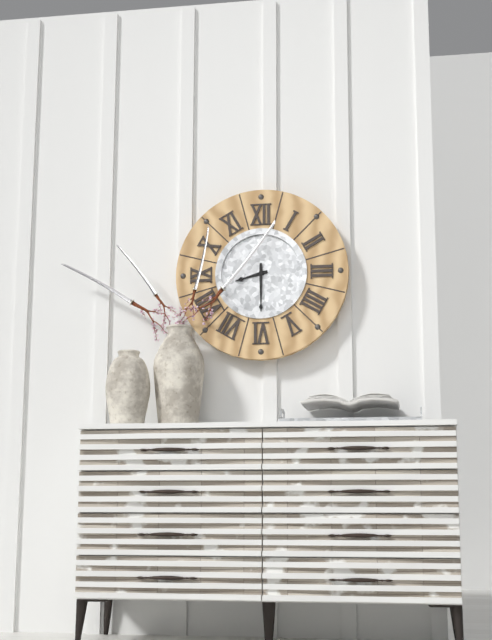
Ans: 8:30
